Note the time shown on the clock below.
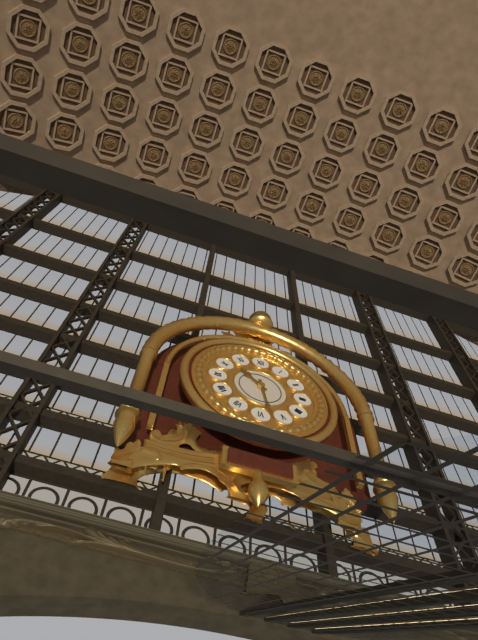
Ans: 10:28
